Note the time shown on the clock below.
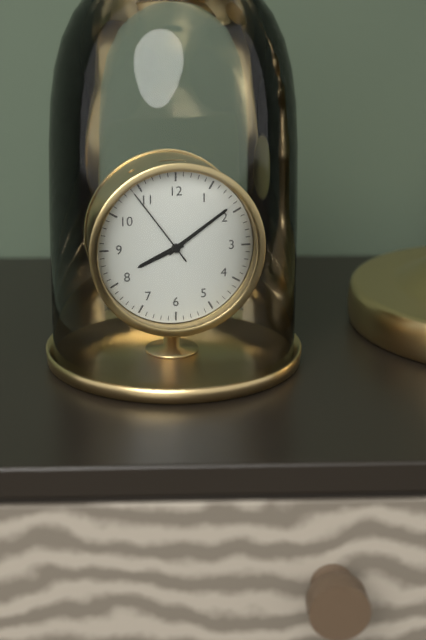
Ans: 8:09:54
